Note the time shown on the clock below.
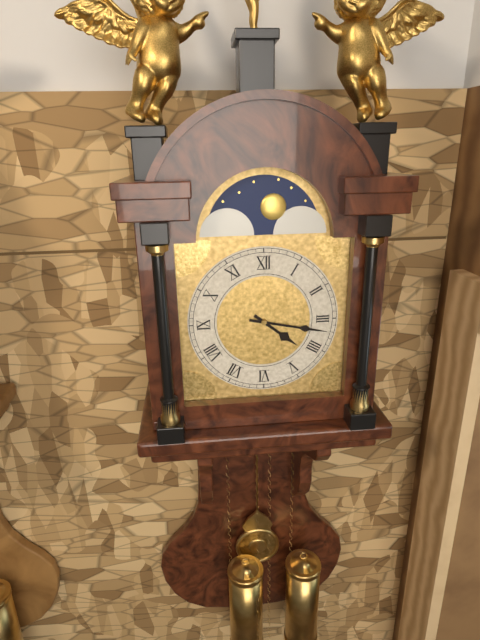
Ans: 4:17
